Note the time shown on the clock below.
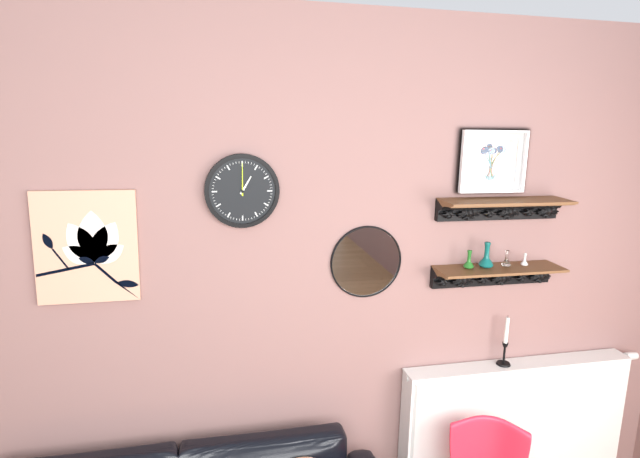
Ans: 1:00
